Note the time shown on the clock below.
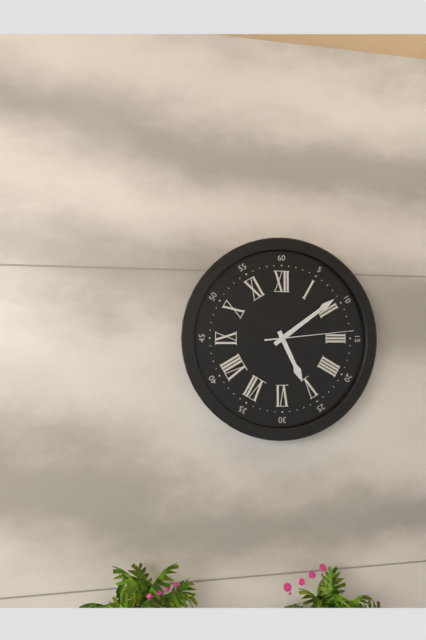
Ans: 5:09:14
